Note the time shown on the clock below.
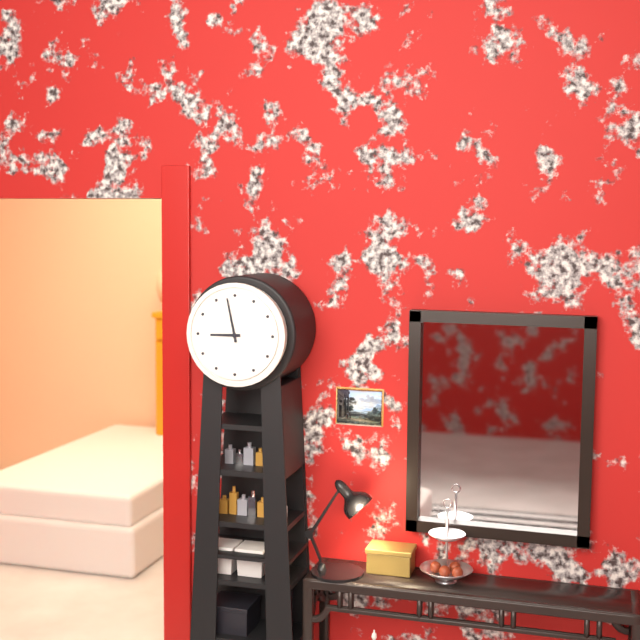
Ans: 8:58
